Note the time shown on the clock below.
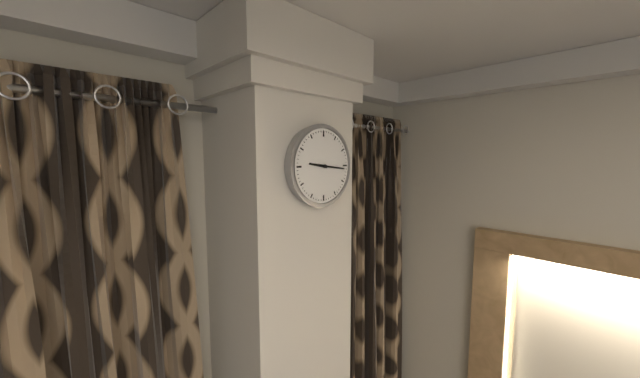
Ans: 9:16
